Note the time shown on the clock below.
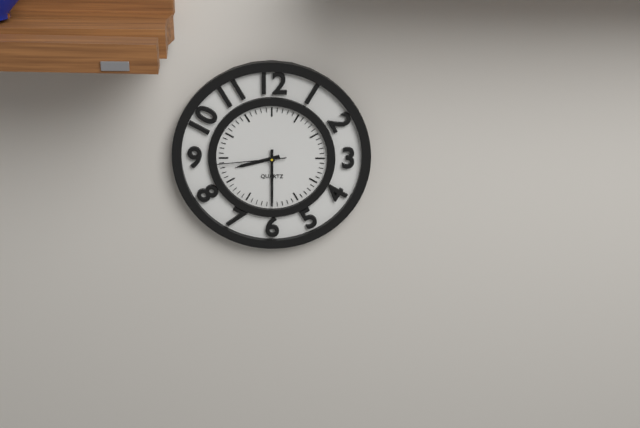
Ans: 8:30:44
